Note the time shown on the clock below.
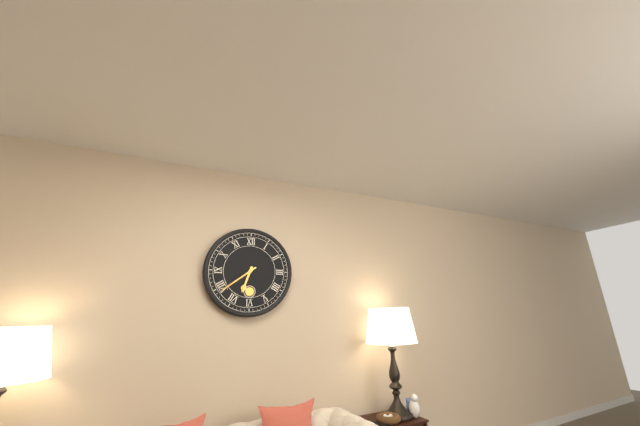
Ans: 6:39
